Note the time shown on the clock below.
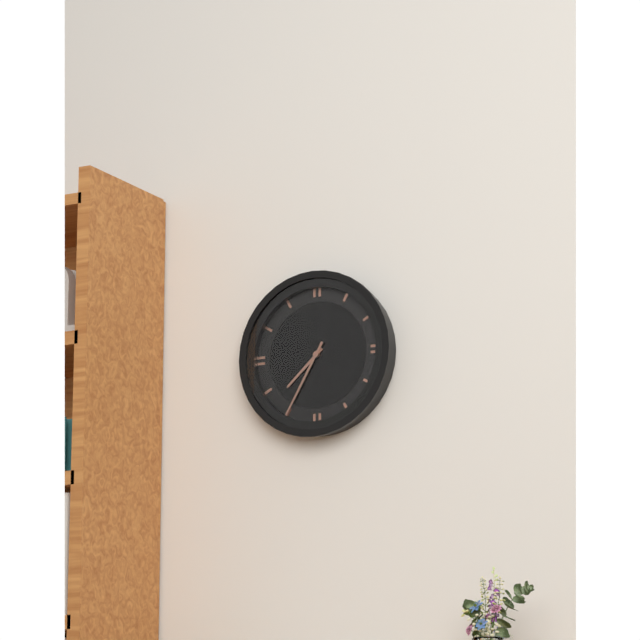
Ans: 7:35
